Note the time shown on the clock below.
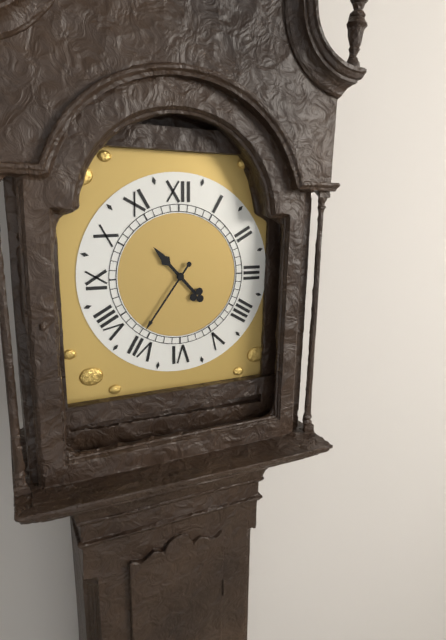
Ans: 10:36
